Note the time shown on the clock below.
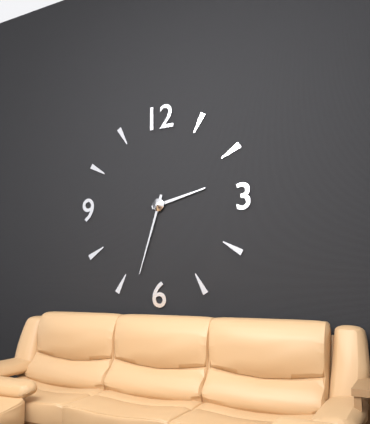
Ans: 2:33
